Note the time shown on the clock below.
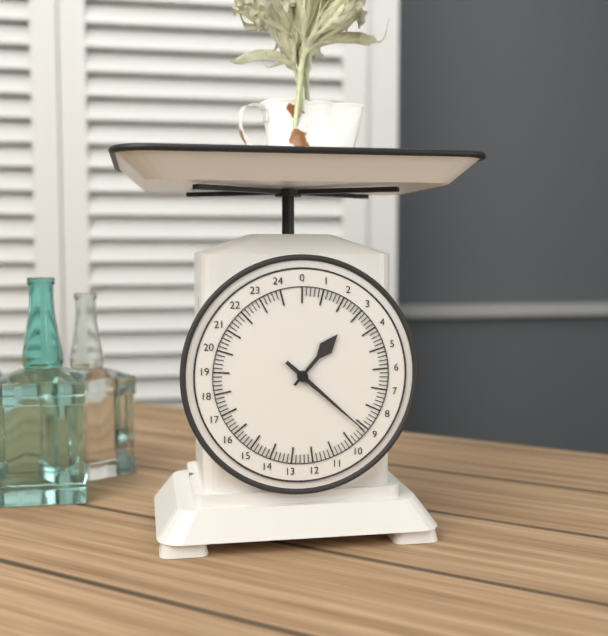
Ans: 1:22
